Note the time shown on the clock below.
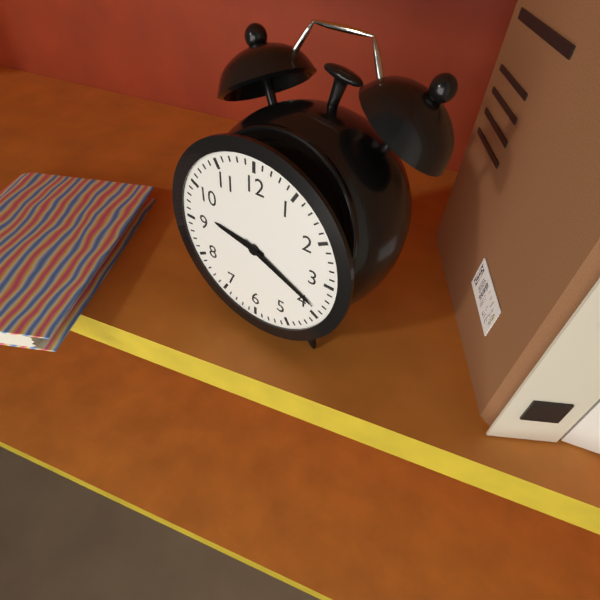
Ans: 9:19
